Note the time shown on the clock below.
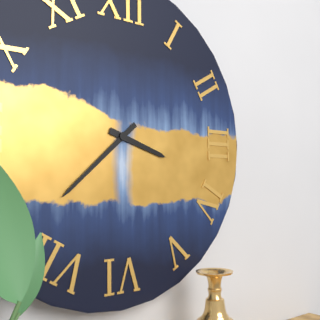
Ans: 3:38
